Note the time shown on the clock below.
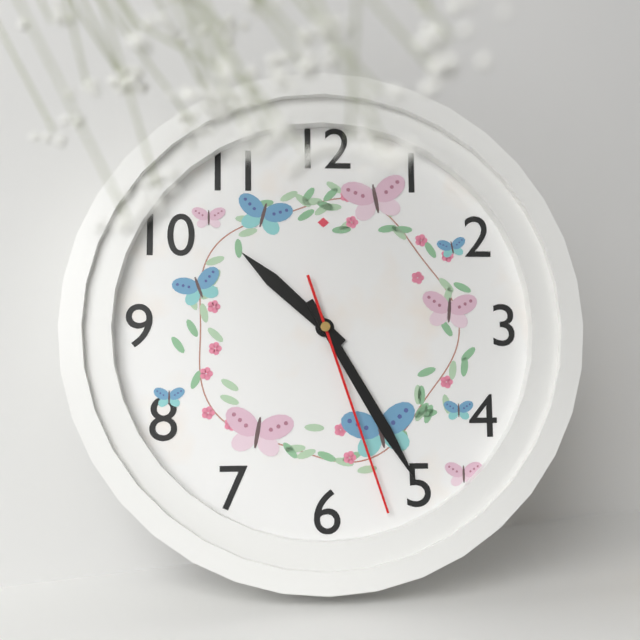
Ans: 10:25:27
